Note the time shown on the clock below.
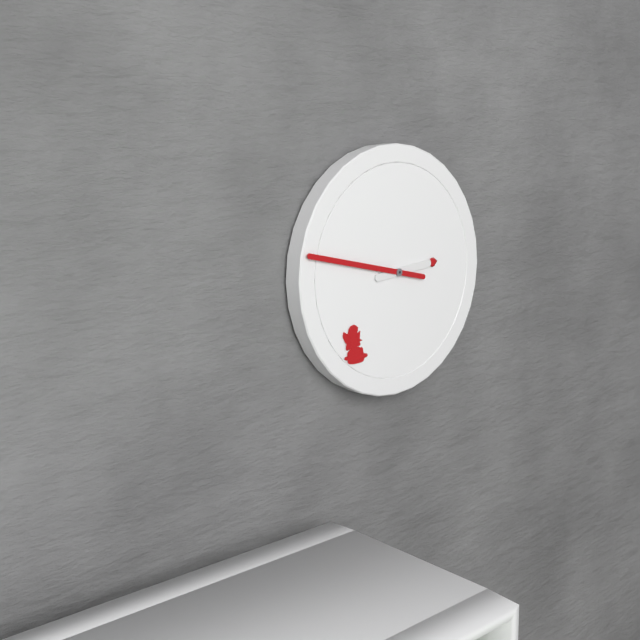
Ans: 2:47
